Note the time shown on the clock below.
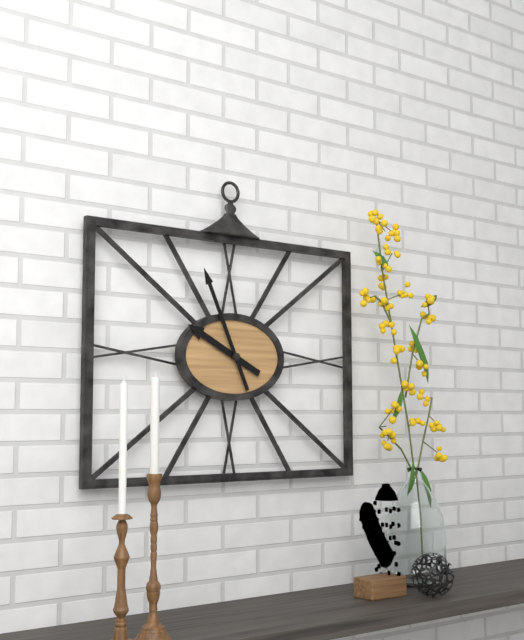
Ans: 9:56
